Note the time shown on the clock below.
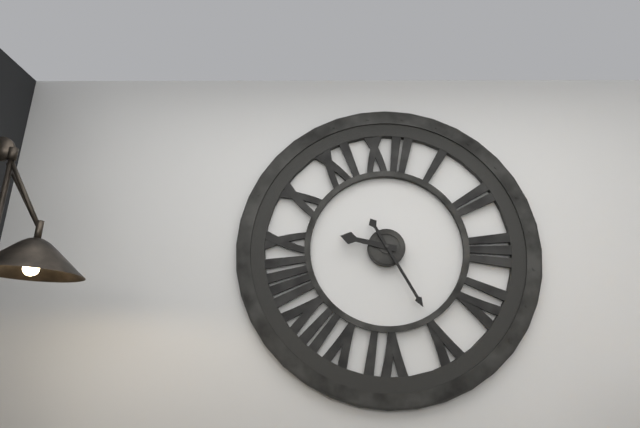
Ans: 9:25
